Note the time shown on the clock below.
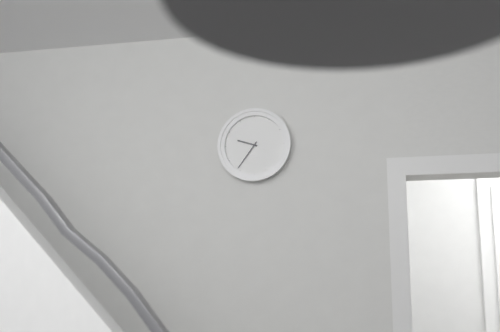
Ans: 9:36
